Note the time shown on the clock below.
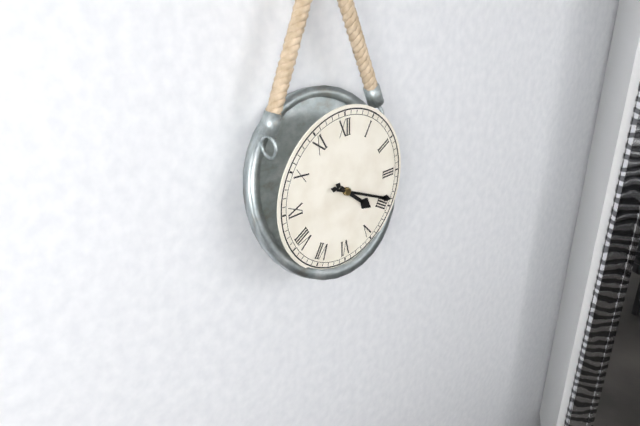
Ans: 4:19
